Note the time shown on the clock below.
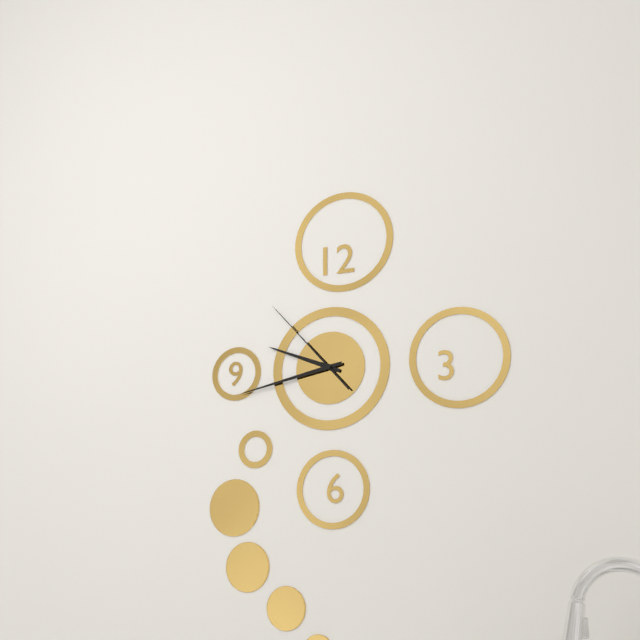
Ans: 9:43:53
